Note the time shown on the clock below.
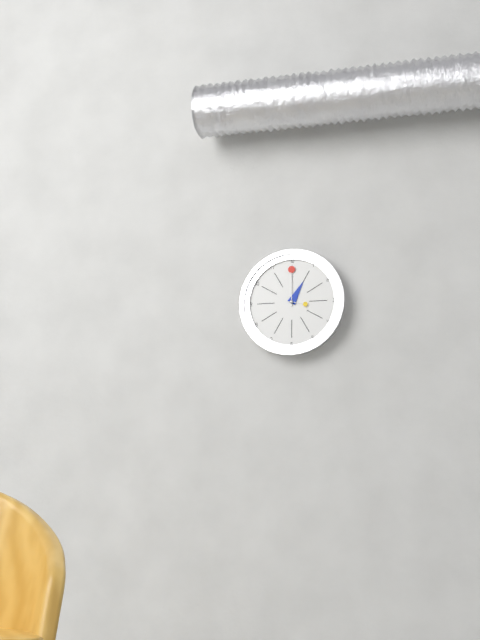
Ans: 1:00
